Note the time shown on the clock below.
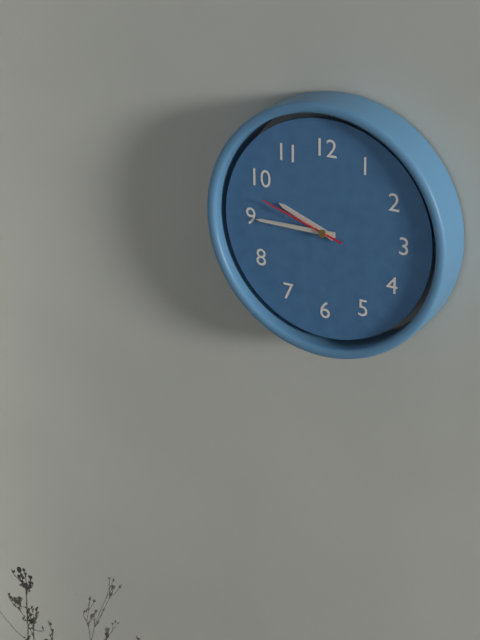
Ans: 9:45:48
